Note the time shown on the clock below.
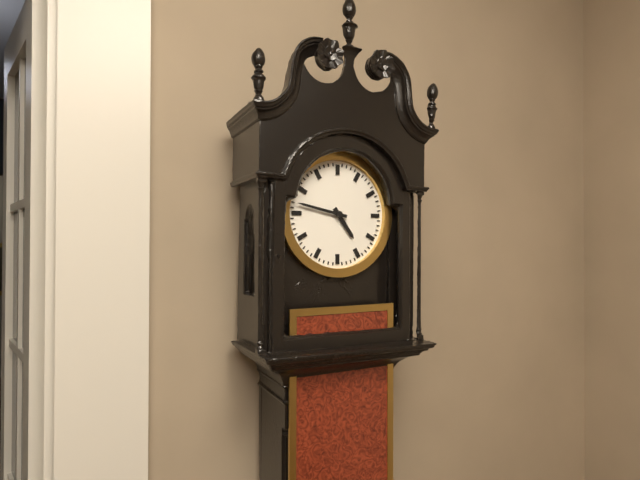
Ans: 4:47
